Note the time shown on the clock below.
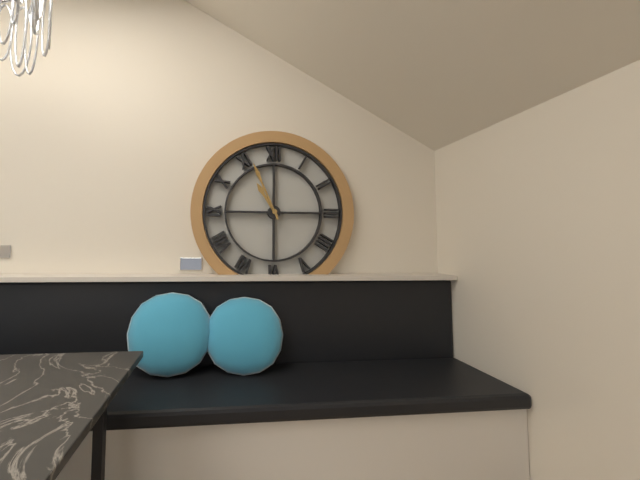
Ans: 10:56
